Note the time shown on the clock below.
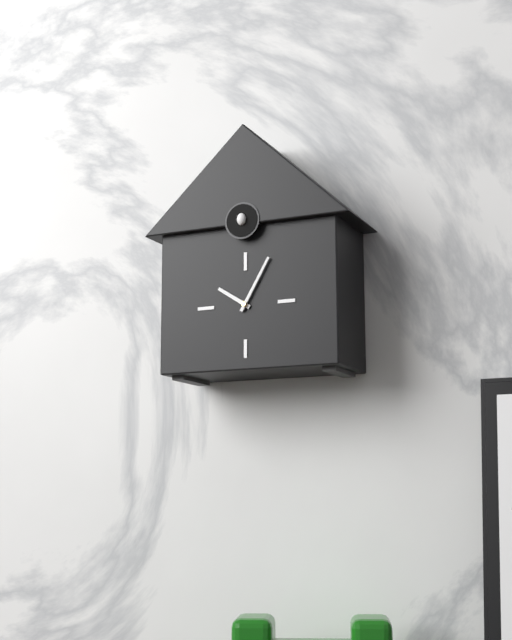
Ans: 10:05
